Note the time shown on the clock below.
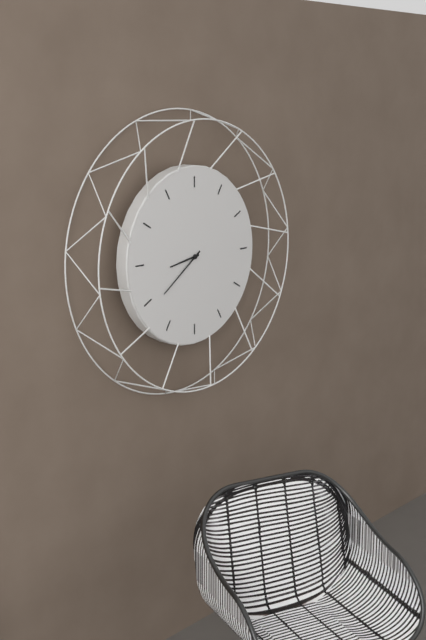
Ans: 8:39
